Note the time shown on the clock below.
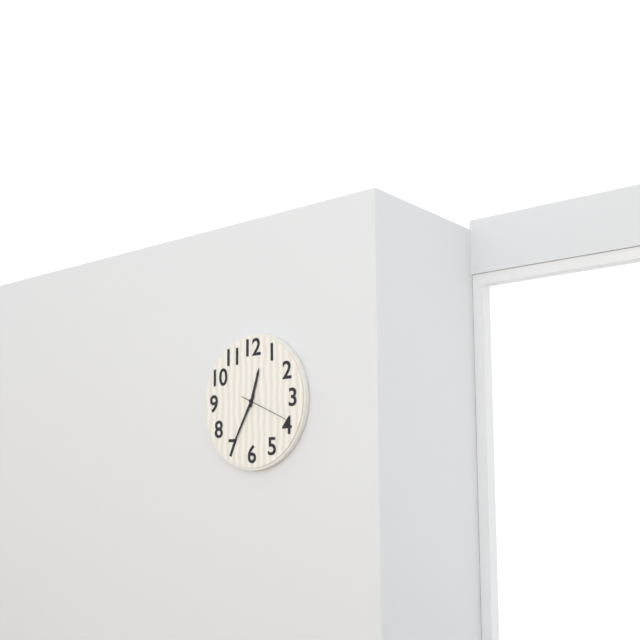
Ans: 12:35
